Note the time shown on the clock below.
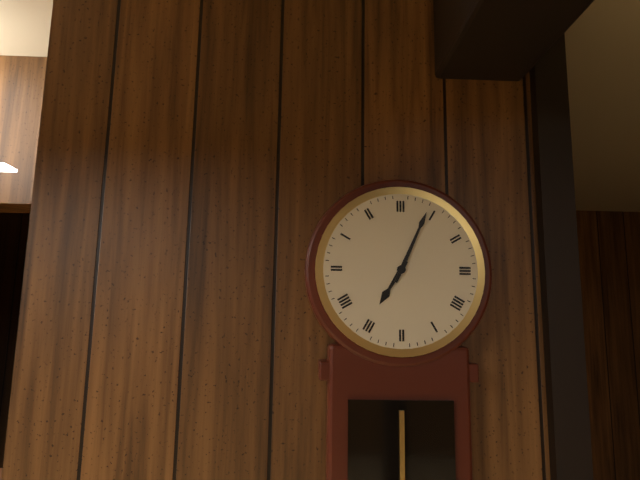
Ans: 7:04
